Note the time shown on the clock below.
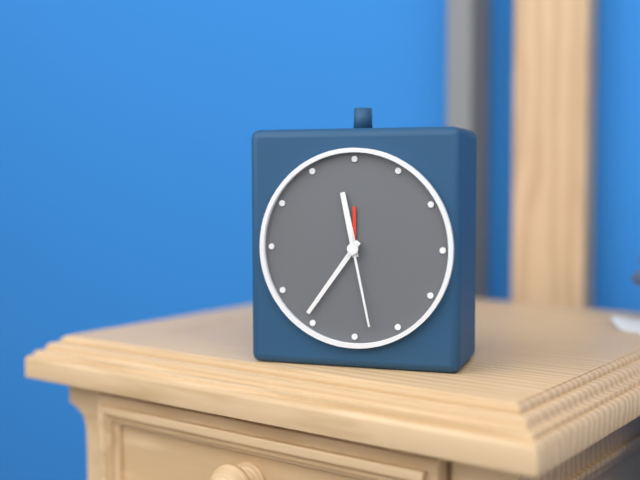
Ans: 11:36:28
